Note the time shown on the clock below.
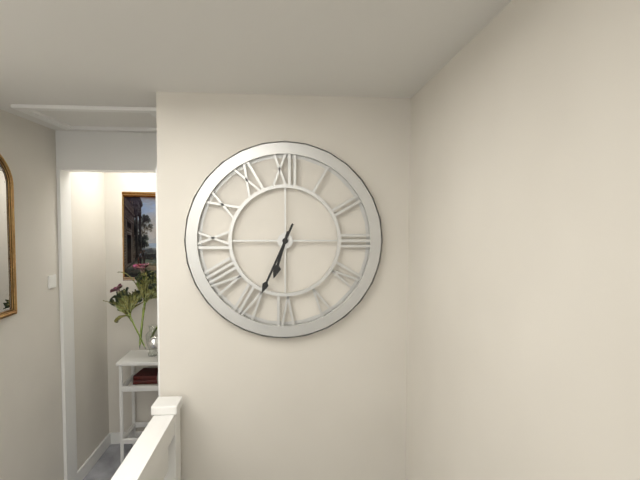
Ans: 6:34
